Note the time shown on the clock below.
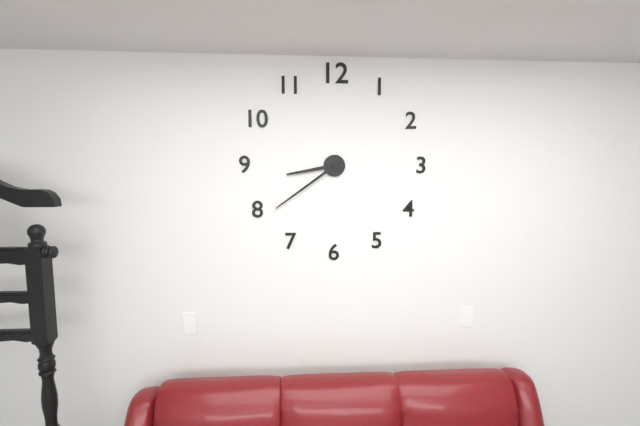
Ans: 8:39
